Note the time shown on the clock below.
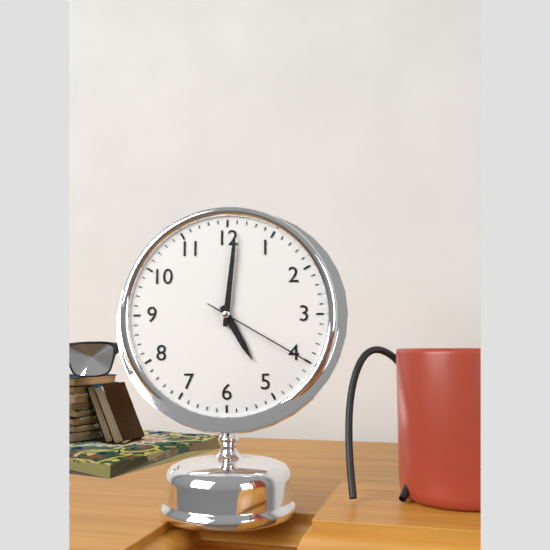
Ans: 5:01:20
